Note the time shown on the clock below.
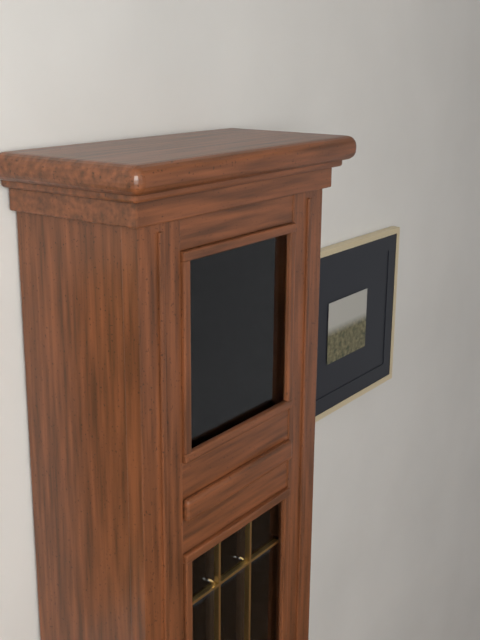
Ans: 2:20
